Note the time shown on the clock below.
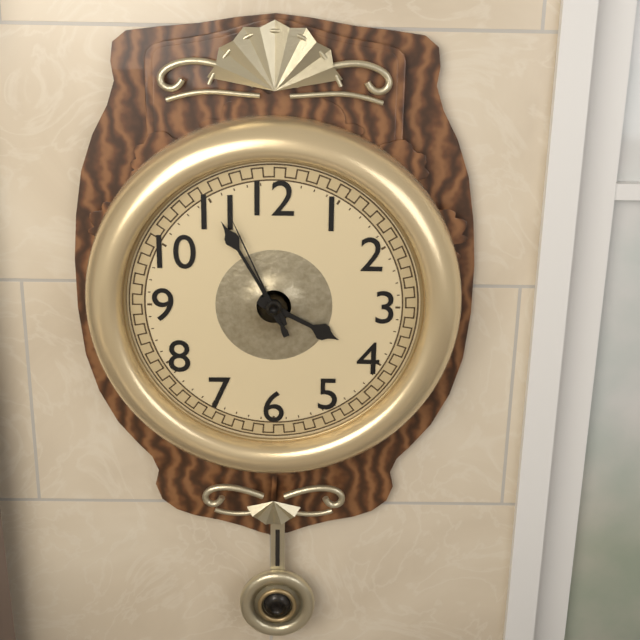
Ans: 3:55:56
